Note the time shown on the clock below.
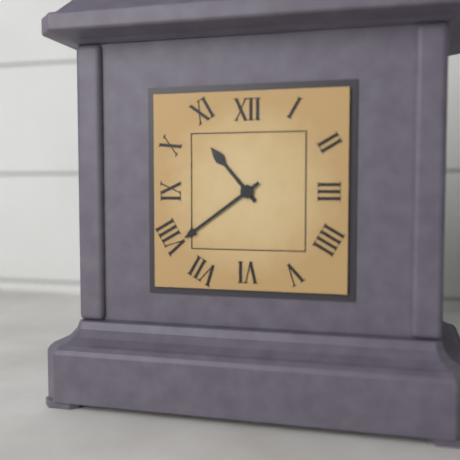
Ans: 10:39
